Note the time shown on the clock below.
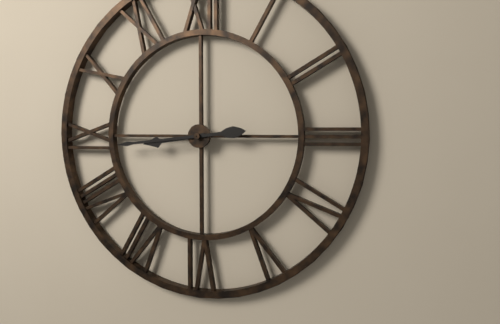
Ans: 8:44
